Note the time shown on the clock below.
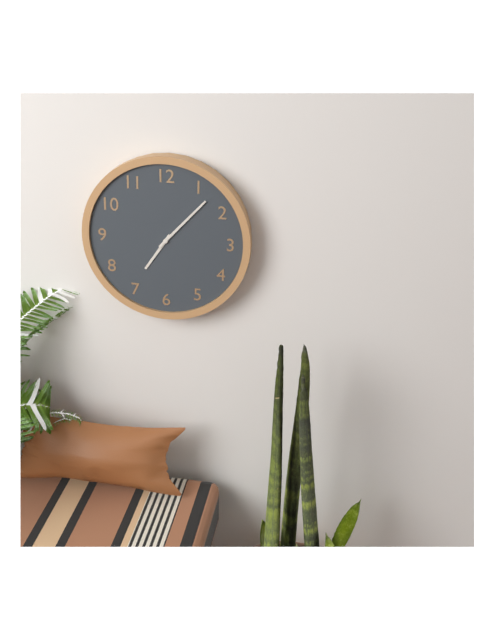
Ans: 7:07
